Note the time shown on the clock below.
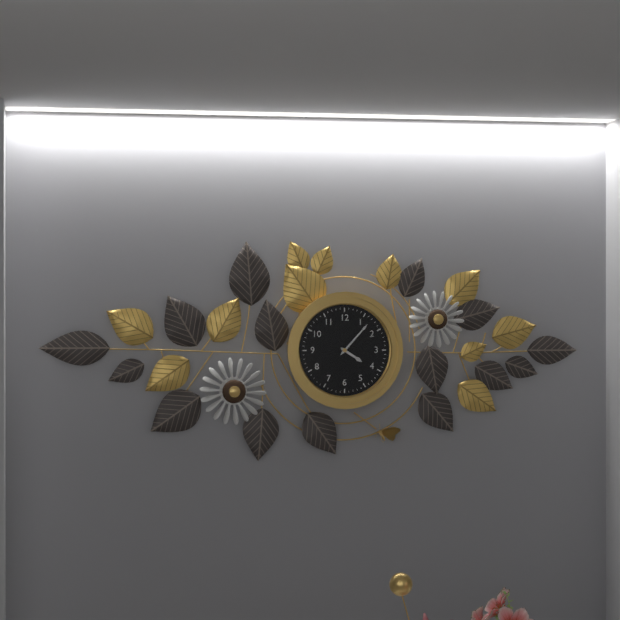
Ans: 4:07
